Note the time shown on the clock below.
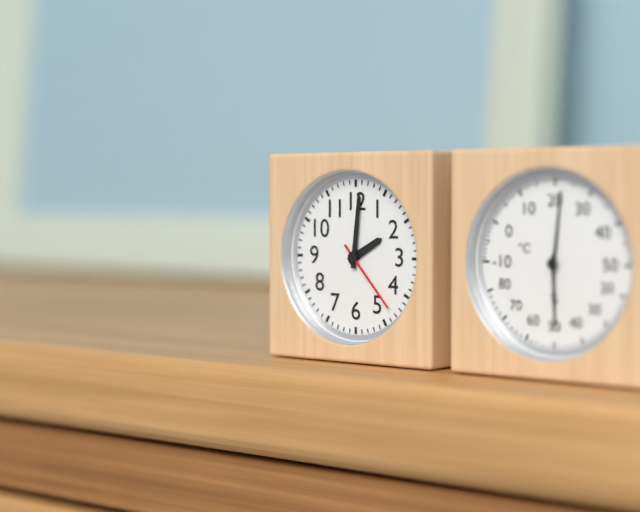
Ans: 2:01:23
